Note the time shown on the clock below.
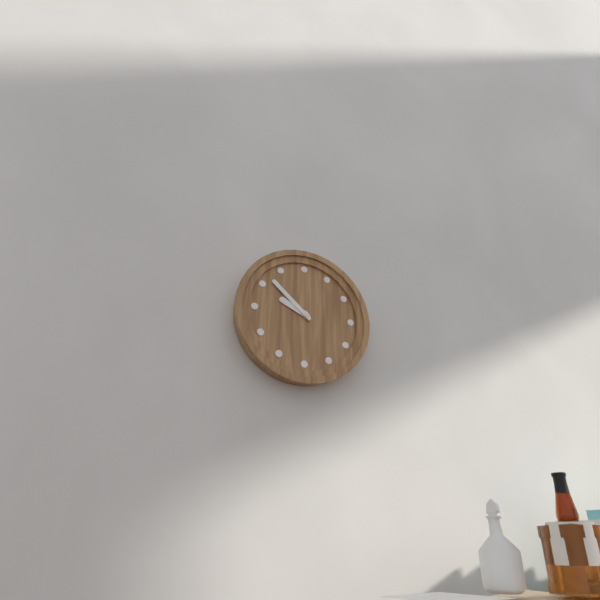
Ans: 9:52
